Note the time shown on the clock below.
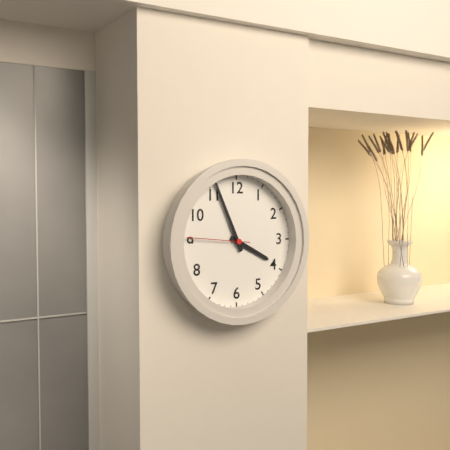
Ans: 3:56:46
